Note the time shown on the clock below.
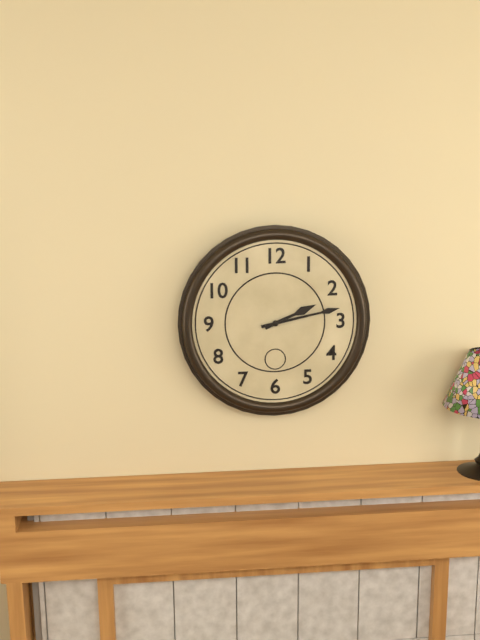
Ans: 2:13
